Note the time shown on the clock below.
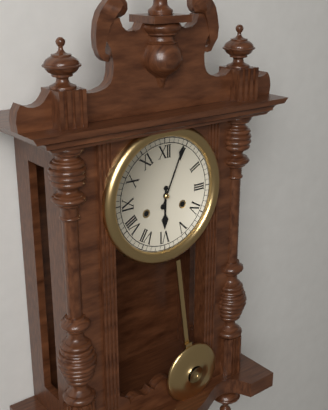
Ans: 6:04
